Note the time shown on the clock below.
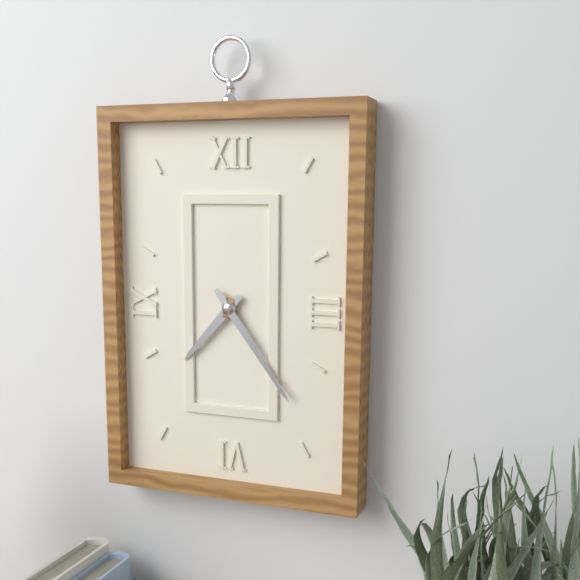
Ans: 7:24
